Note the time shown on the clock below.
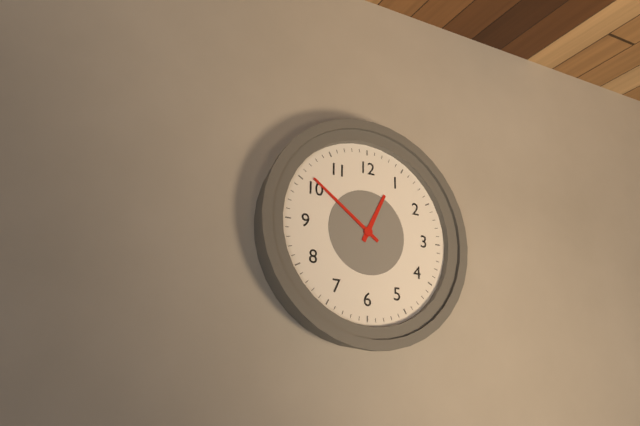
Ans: 12:51
